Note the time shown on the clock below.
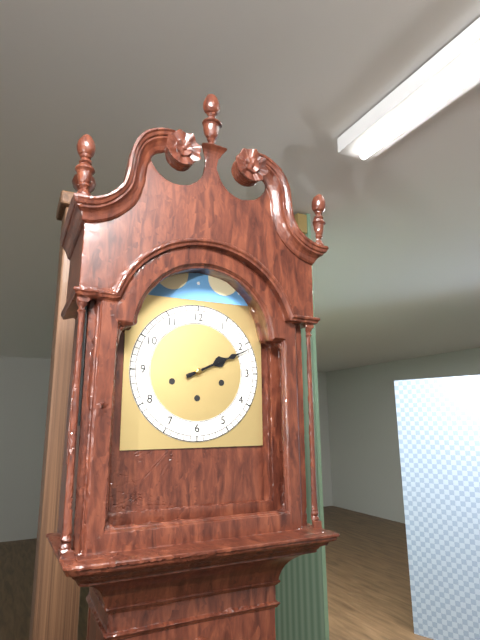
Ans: 2:11
